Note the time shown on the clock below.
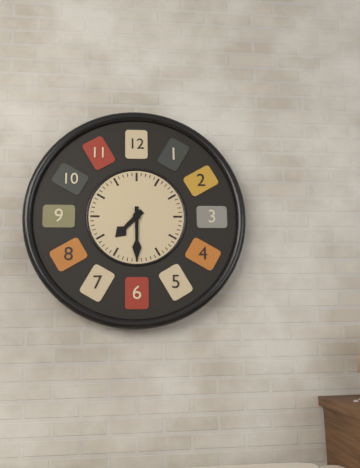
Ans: 7:30
